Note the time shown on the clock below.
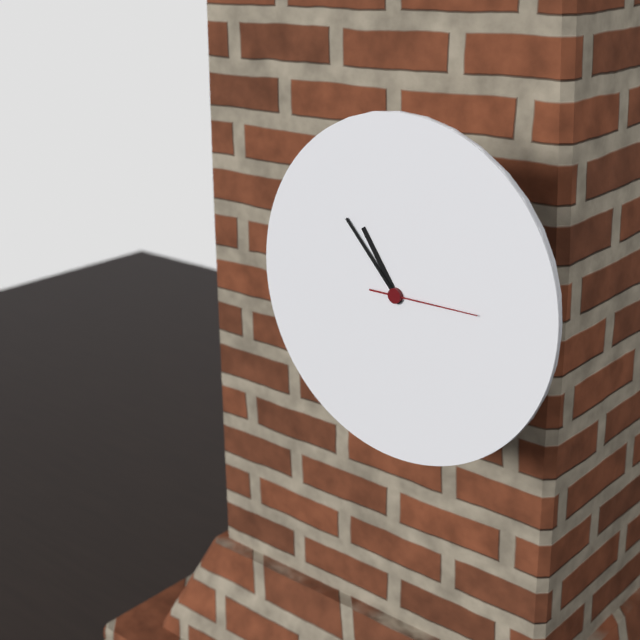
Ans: 10:53:15
